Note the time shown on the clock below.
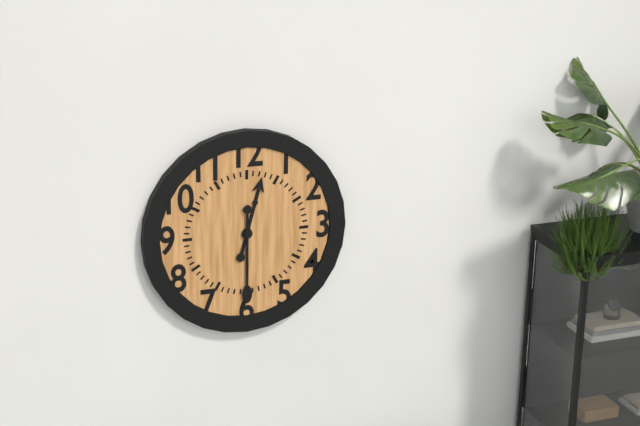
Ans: 12:30
